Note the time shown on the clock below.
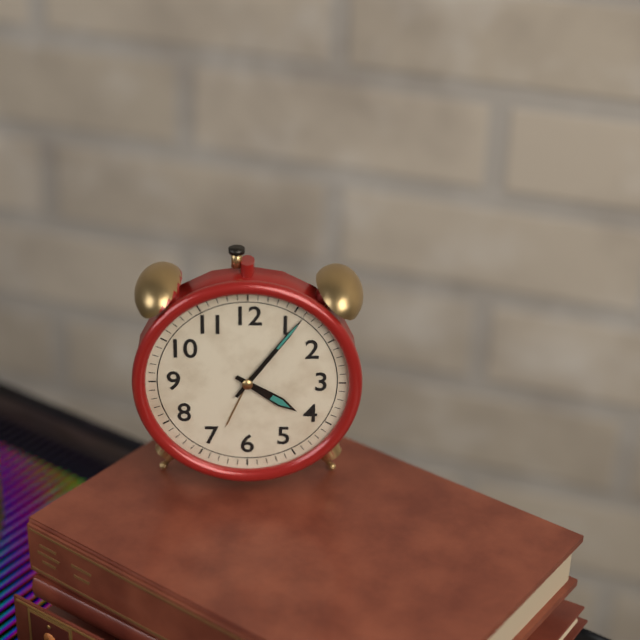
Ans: 4:06
